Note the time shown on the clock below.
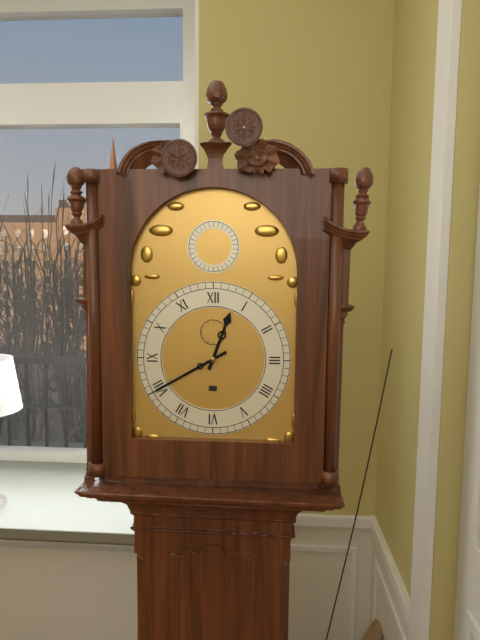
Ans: 12:40
